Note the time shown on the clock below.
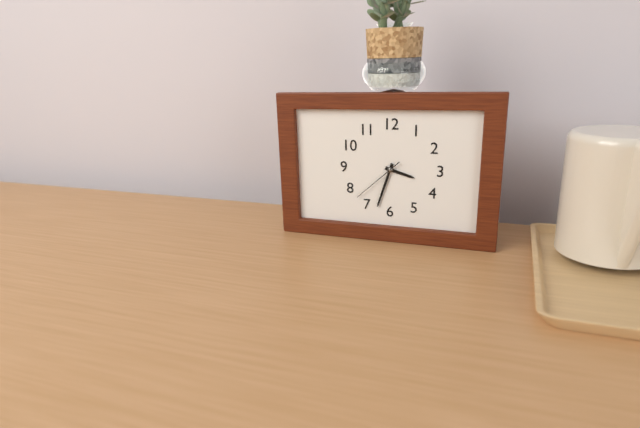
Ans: 3:33:38
